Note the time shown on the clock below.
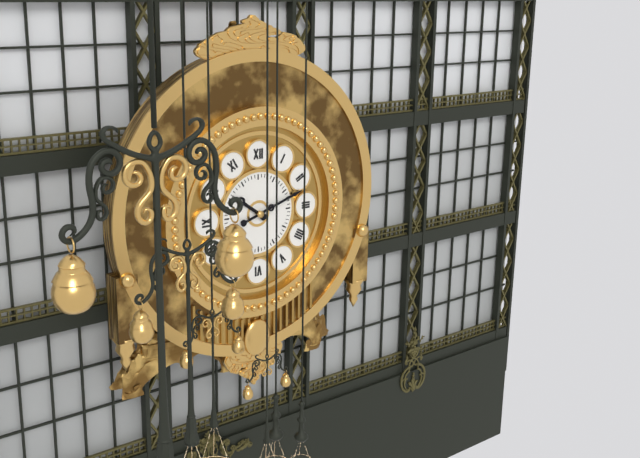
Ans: 10:12
